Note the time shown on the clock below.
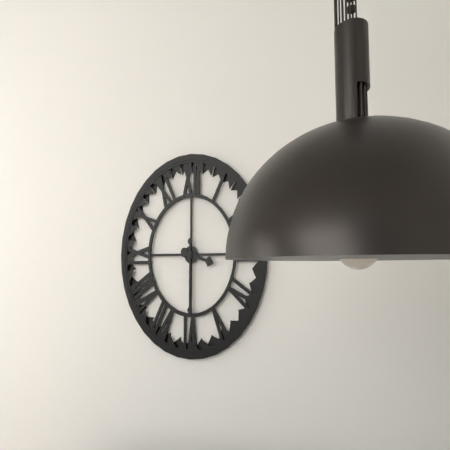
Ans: 3:30
